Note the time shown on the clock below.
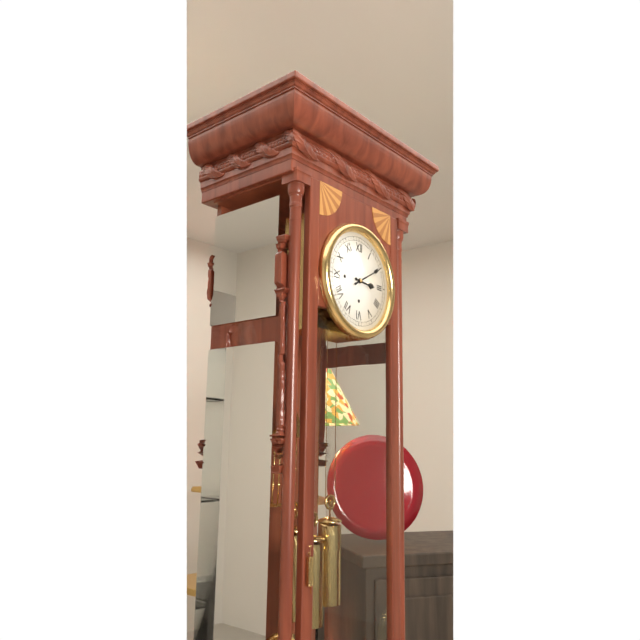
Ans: 3:10
